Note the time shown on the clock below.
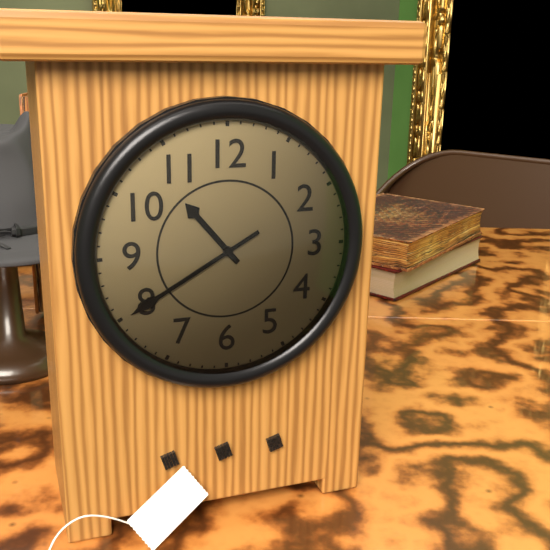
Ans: 10:40
